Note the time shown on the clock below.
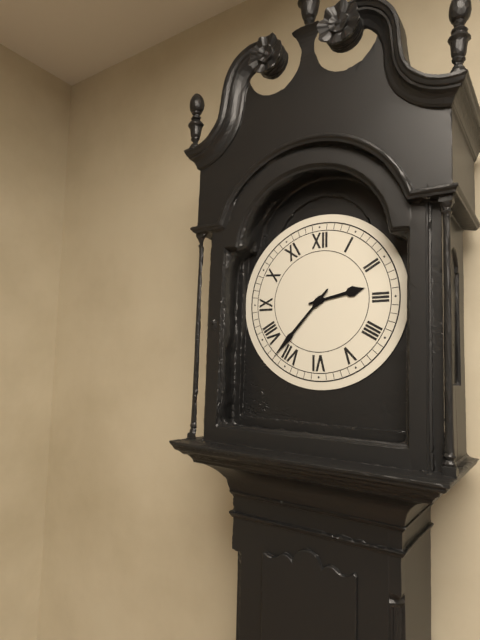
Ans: 2:37
